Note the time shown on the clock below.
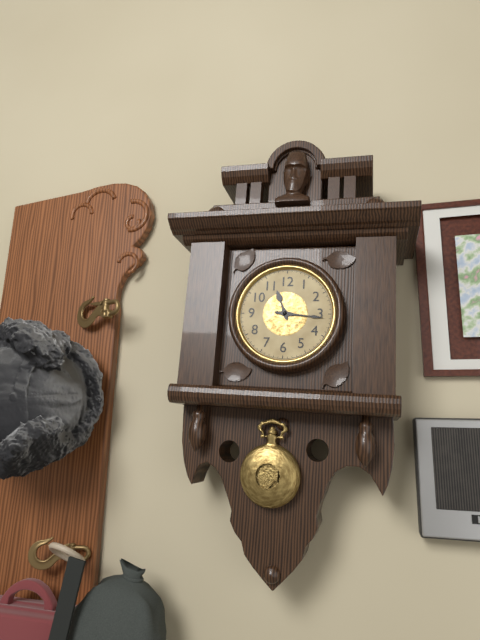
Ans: 11:16
